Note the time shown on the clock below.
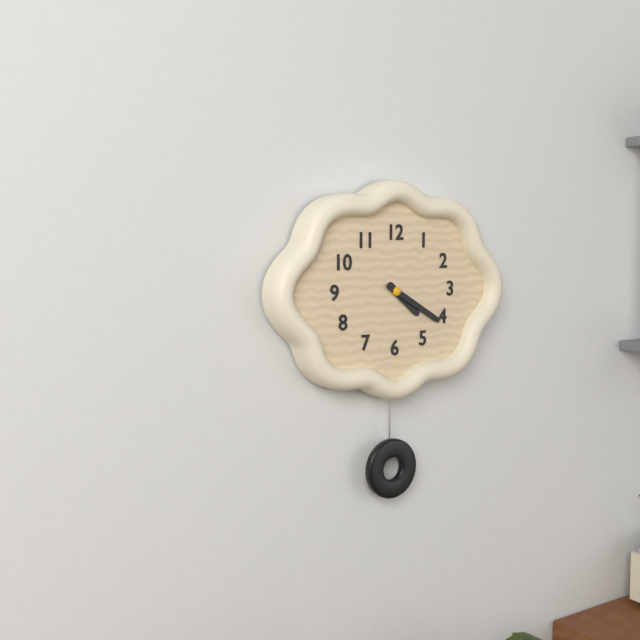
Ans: 4:20
